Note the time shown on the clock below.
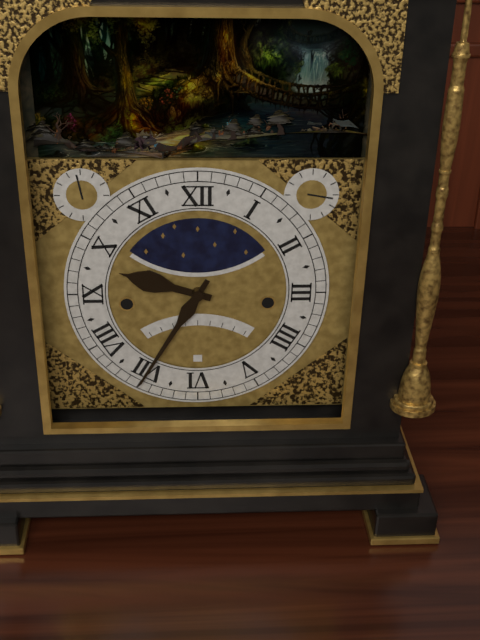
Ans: 9:35
